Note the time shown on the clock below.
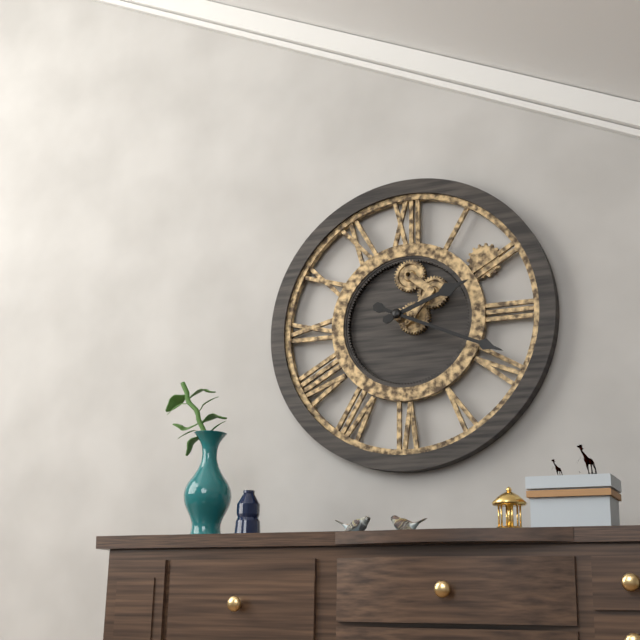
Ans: 2:19
